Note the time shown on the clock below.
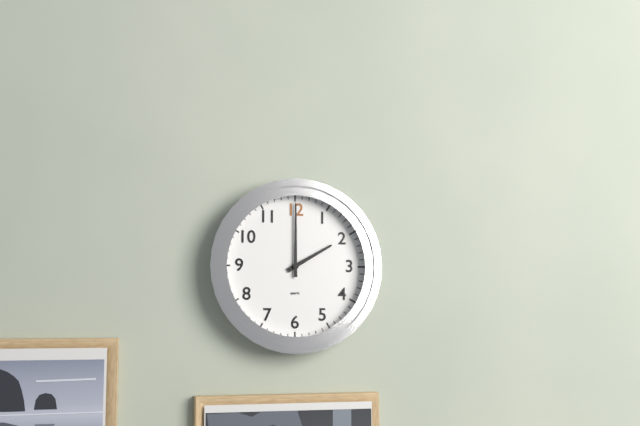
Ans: 2:00
